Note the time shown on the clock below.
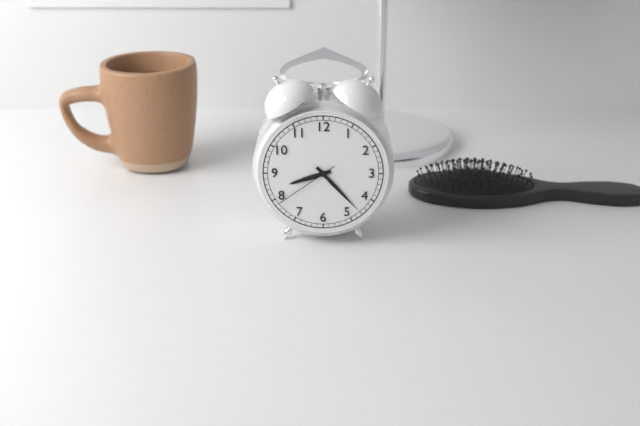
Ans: 8:23:39
